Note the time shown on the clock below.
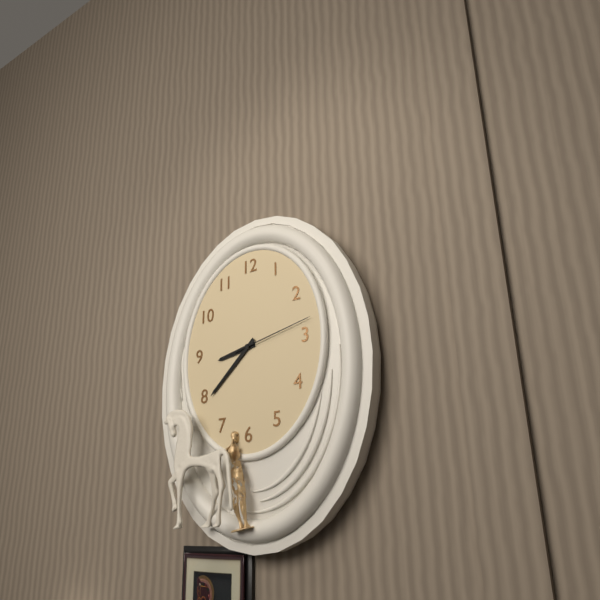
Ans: 8:38:13
